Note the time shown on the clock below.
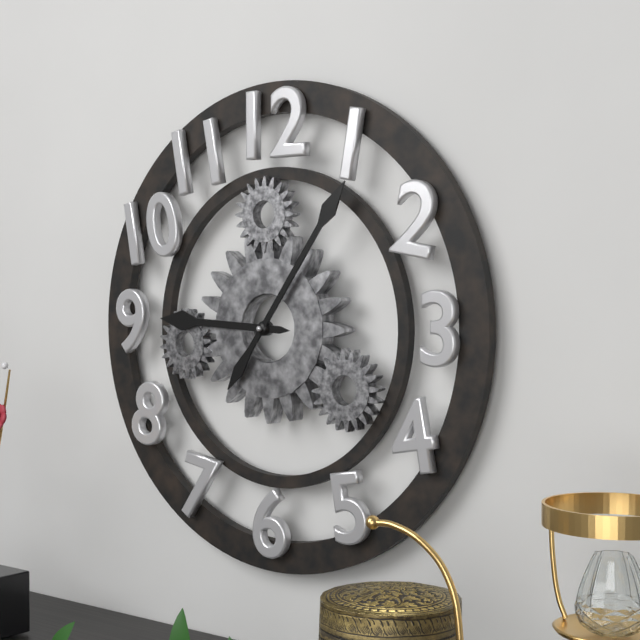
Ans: 9:06
